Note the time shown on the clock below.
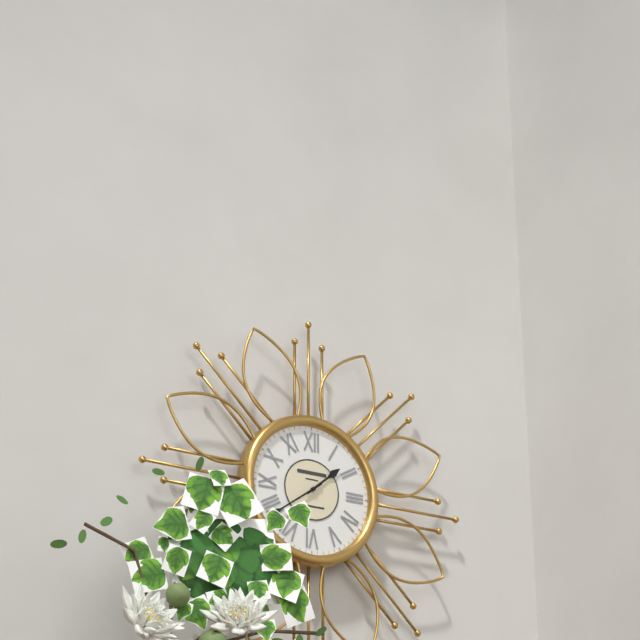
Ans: 1:39
